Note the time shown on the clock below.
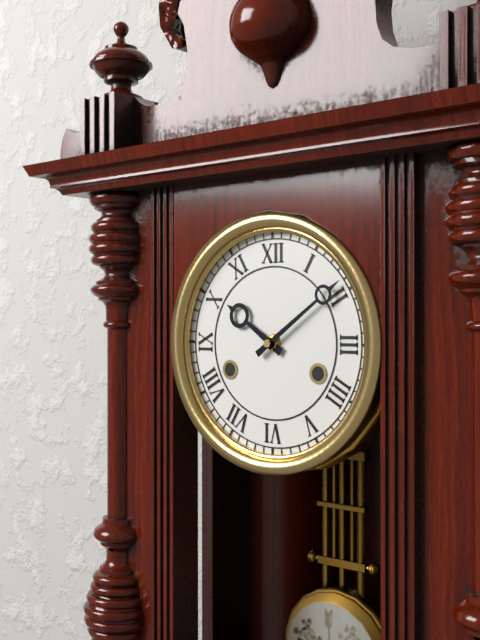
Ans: 10:09
